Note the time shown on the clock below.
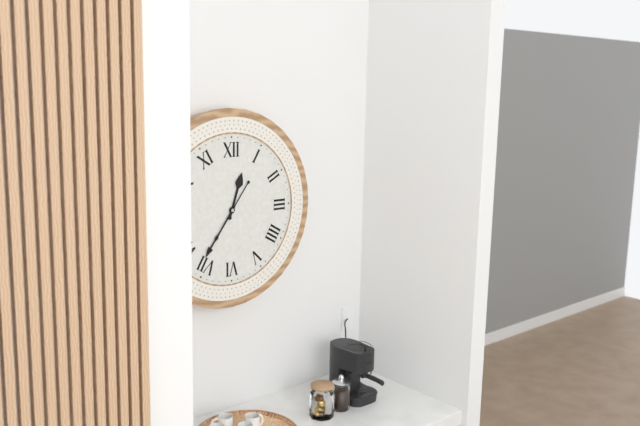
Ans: 12:36
